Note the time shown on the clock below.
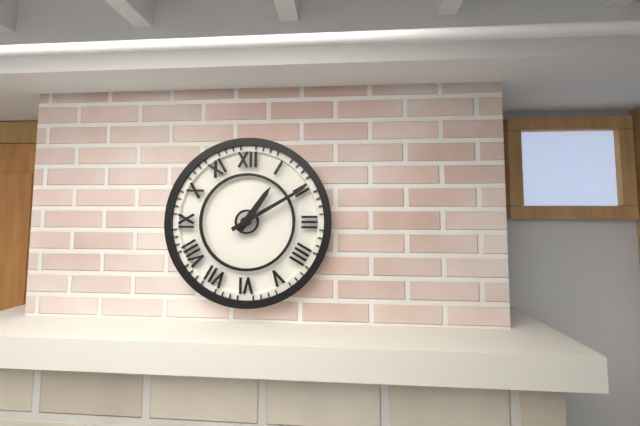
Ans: 1:10
